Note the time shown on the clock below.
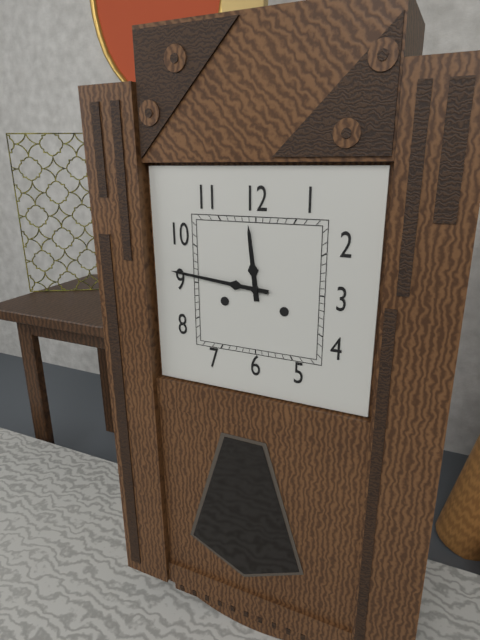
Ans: 11:46
